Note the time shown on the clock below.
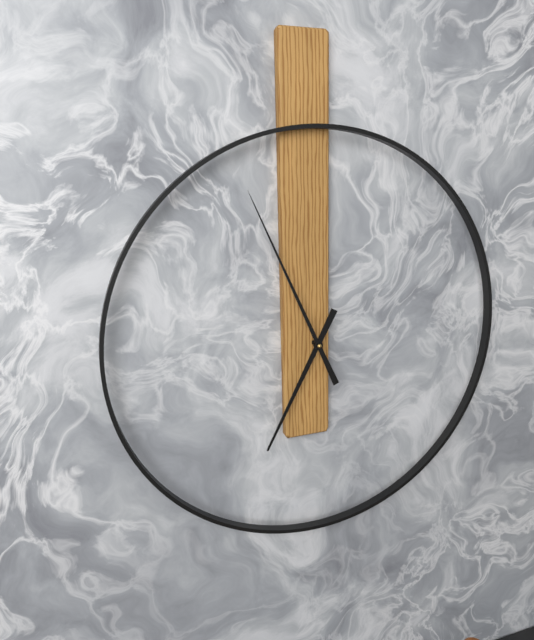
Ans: 6:56
